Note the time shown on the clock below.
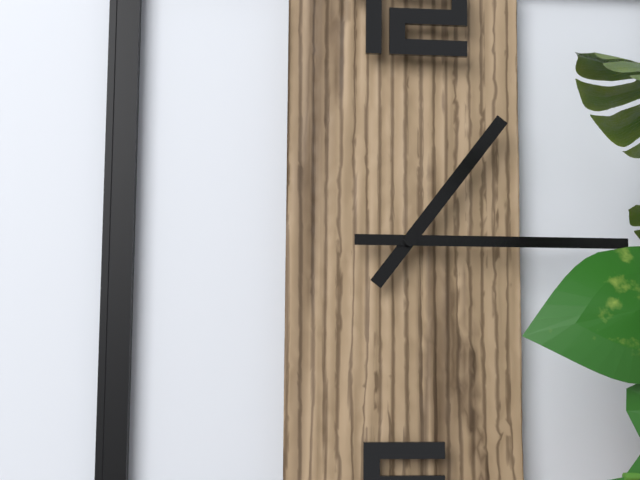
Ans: 1:15
